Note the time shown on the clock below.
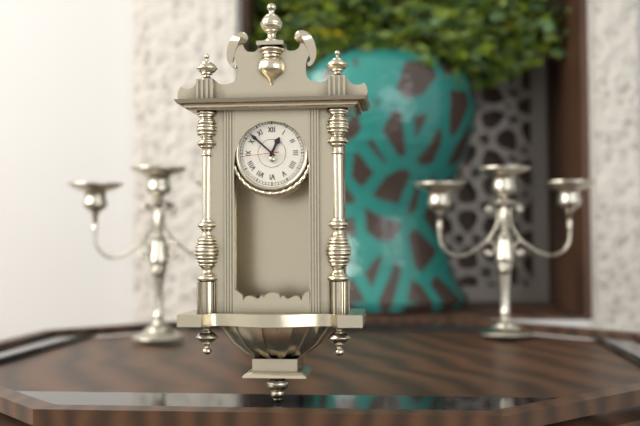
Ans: 12:52
